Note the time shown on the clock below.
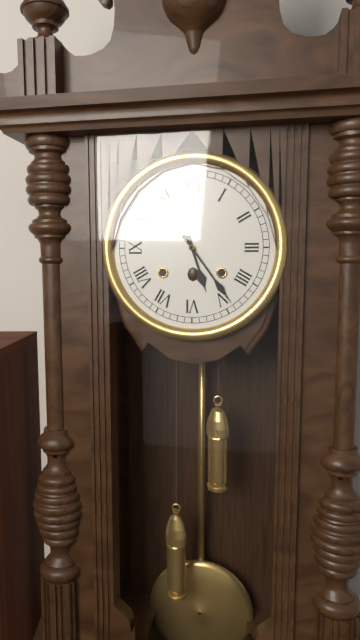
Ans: 5:24
